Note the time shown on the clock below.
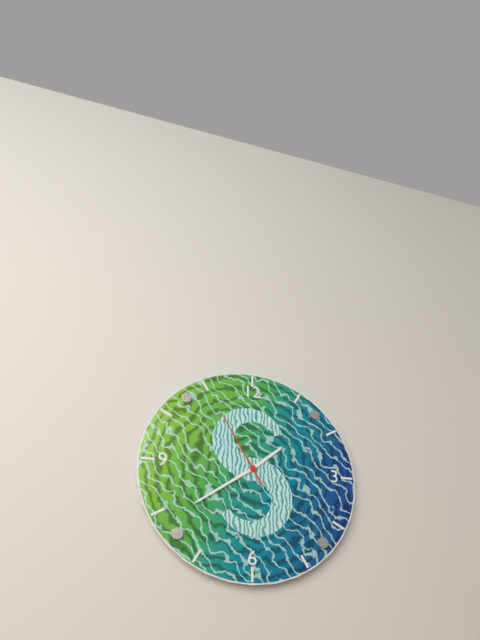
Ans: 1:39:55
